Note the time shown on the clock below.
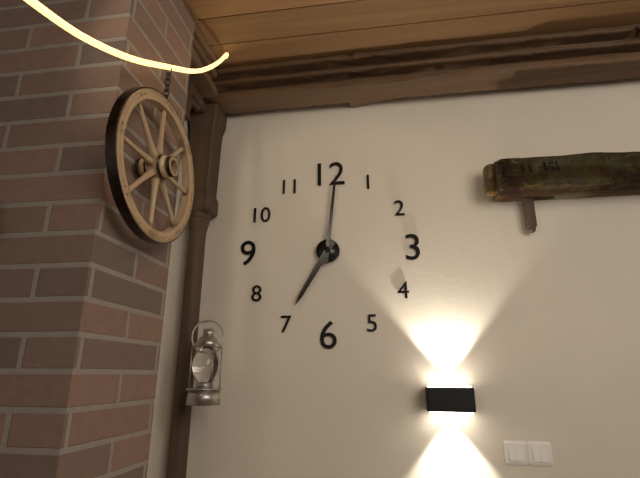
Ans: 7:01
